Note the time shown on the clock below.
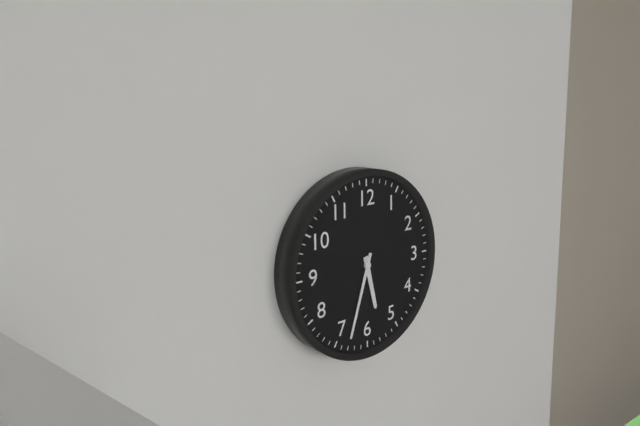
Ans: 5:33
